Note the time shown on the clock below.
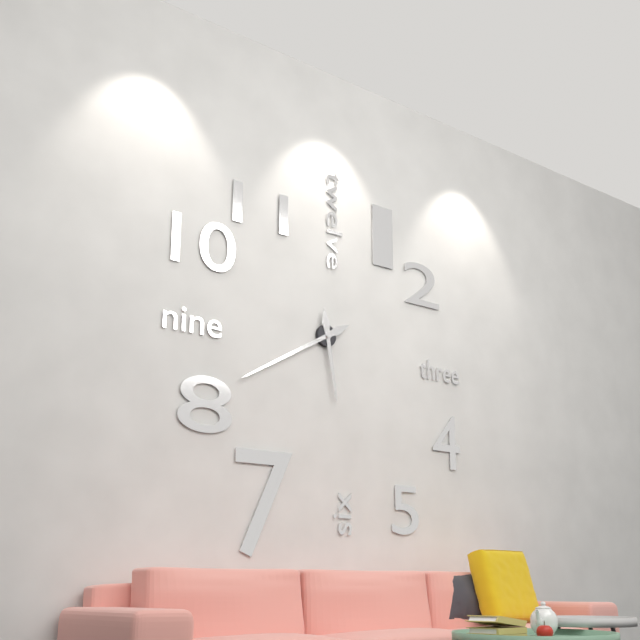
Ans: 5:40
